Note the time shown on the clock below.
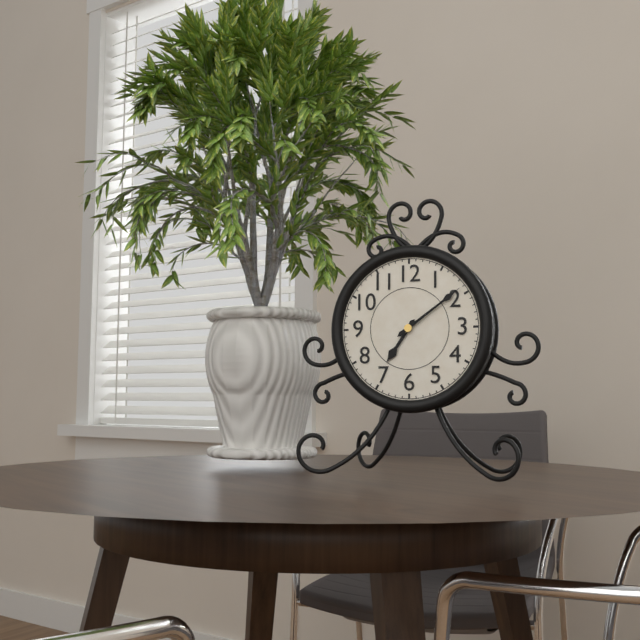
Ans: 7:09
